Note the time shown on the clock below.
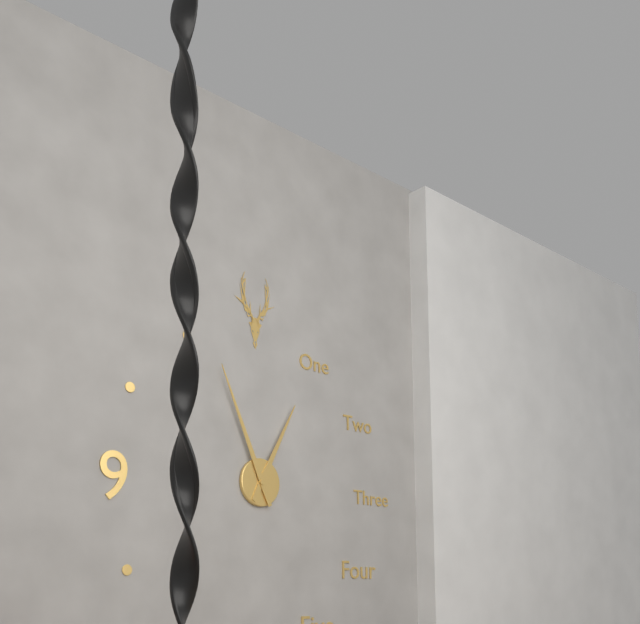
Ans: 12:56
